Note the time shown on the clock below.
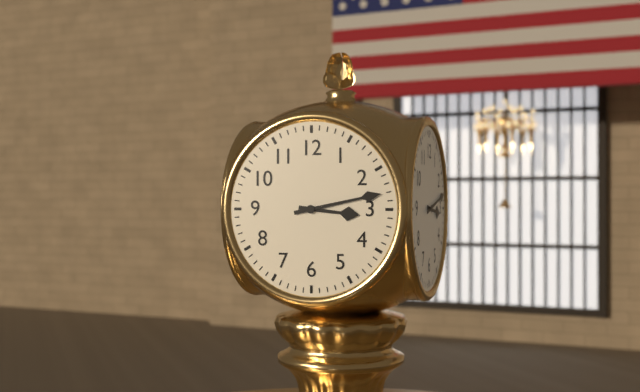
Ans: 3:13
